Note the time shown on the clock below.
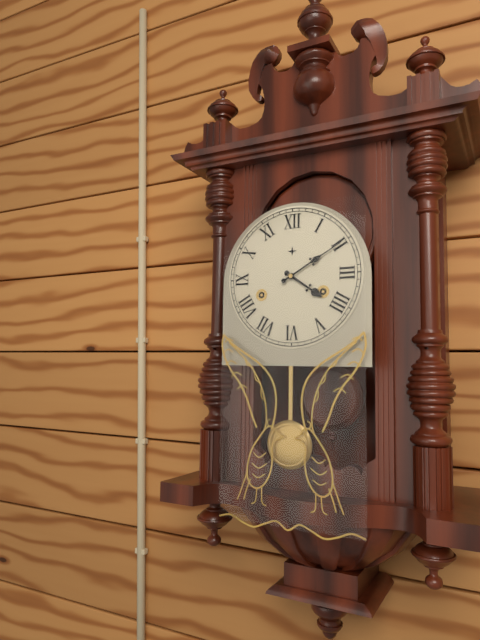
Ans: 4:10
